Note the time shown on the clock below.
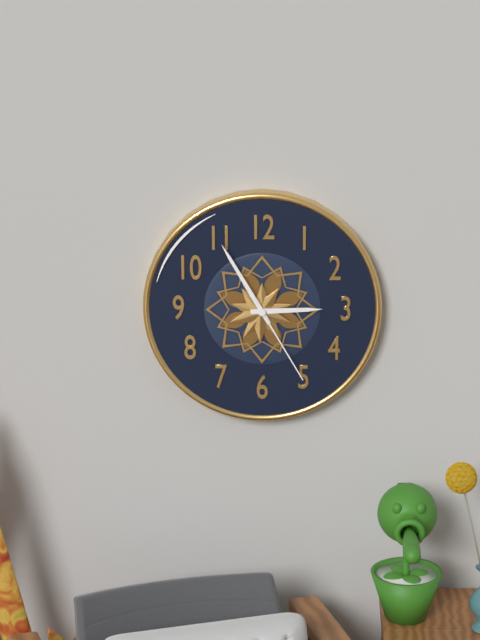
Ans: 2:55:25
